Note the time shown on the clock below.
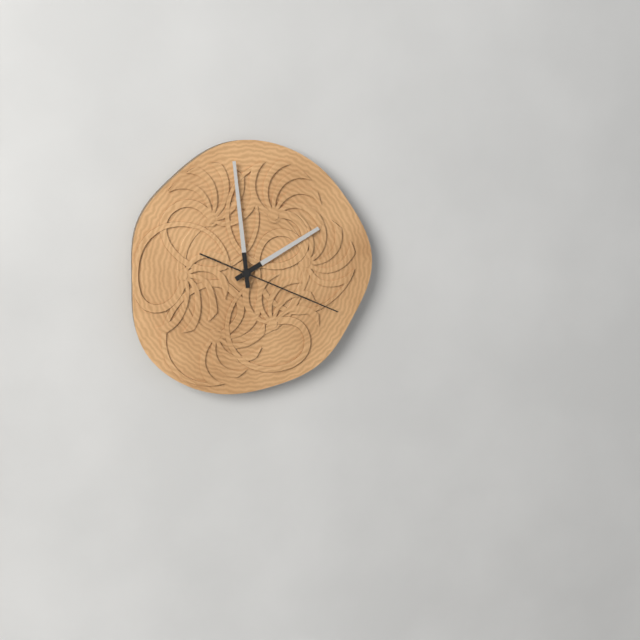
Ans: 1:59:19
